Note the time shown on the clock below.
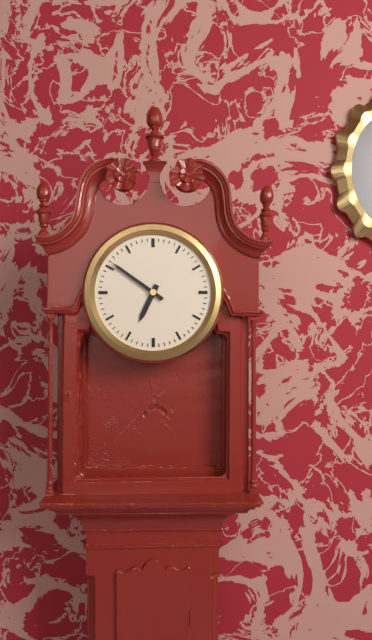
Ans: 6:51
